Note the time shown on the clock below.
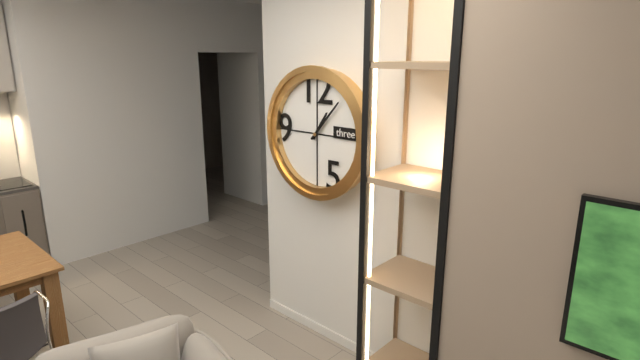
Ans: 1:07
